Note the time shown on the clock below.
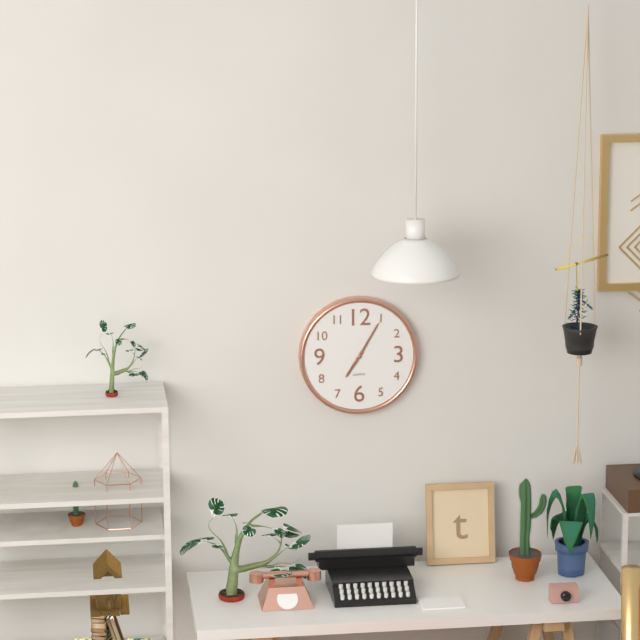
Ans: 7:05
